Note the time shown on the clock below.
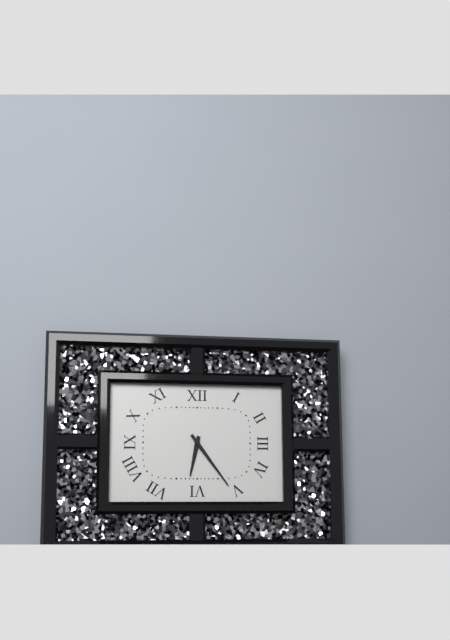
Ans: 6:24
